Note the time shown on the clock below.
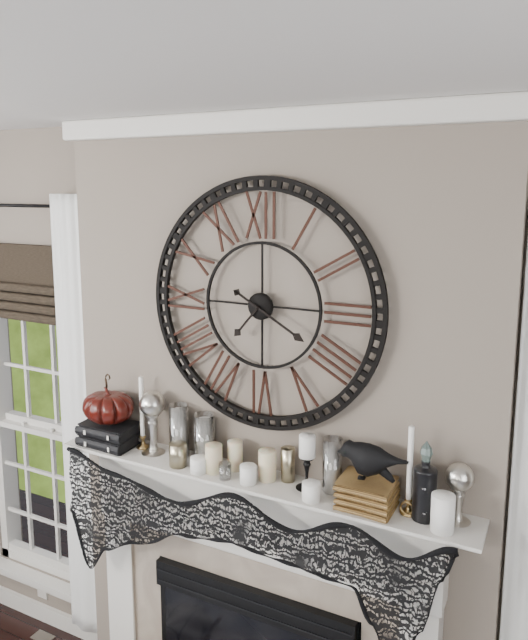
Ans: 7:20
